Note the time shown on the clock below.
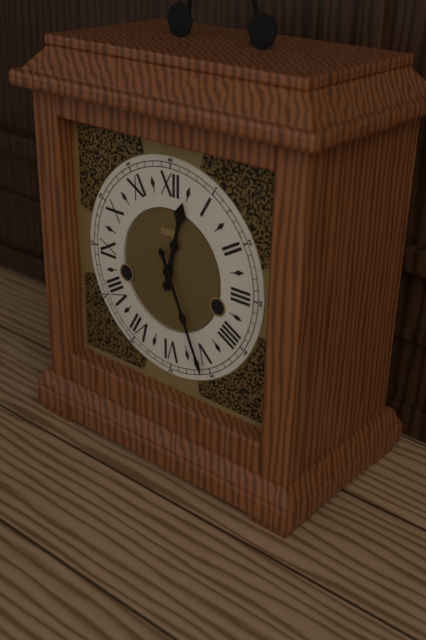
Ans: 12:26
